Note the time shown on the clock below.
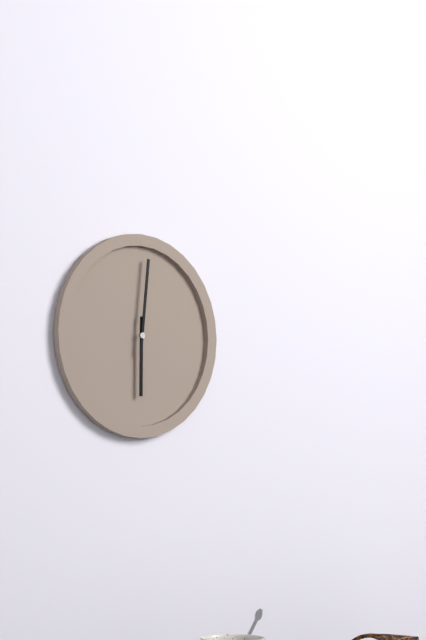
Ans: 6:01
